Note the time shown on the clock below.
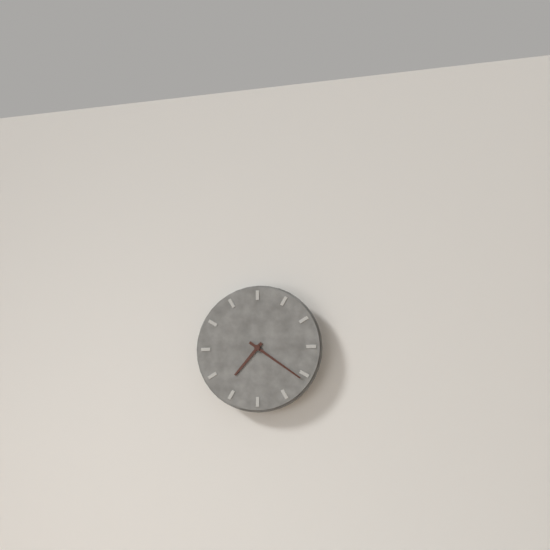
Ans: 7:21
